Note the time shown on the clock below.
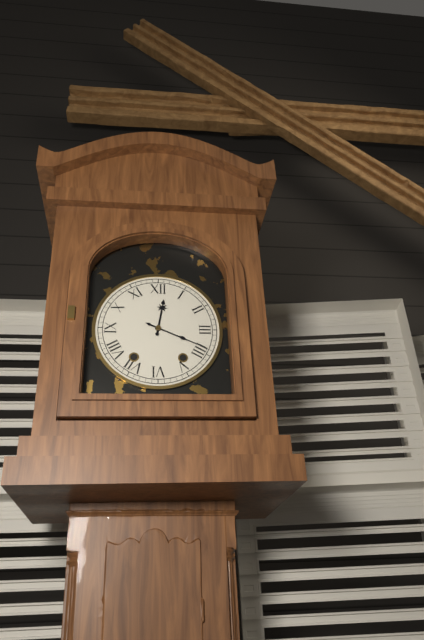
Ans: 12:19
